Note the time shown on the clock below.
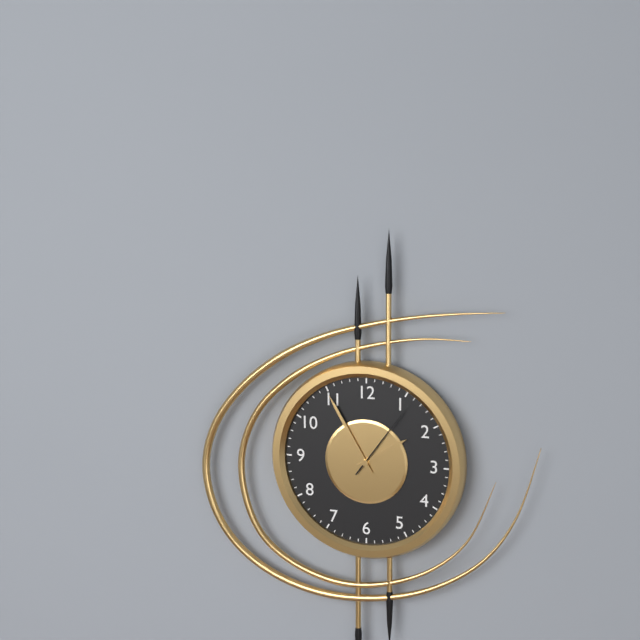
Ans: 1:55:06
